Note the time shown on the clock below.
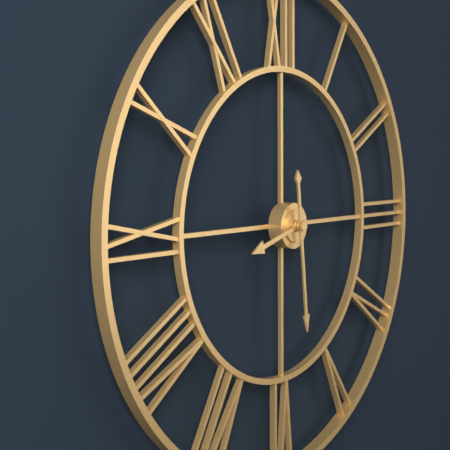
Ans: 8:29
